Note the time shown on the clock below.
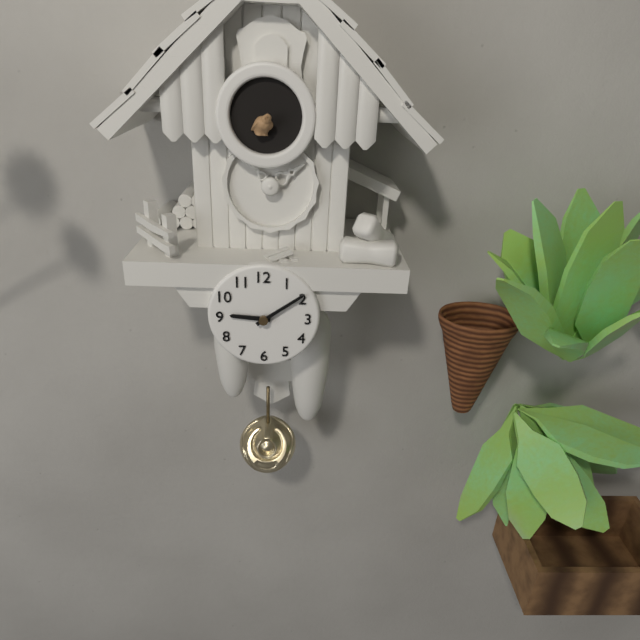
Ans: 9:09
